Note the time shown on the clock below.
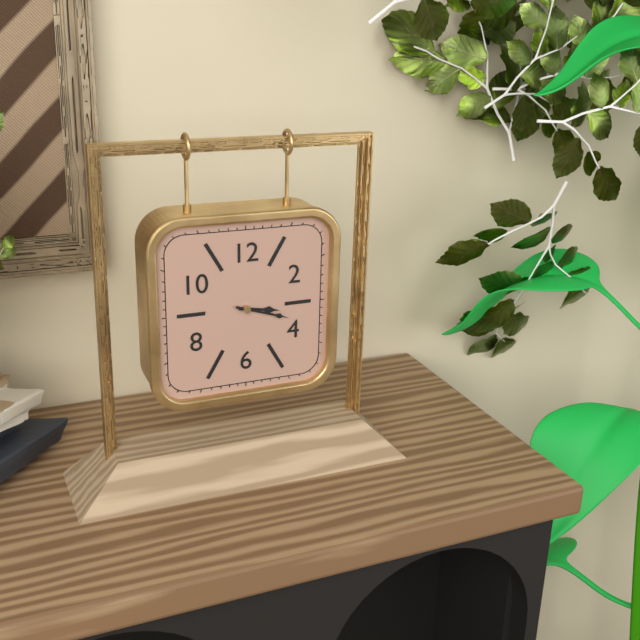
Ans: 3:18
